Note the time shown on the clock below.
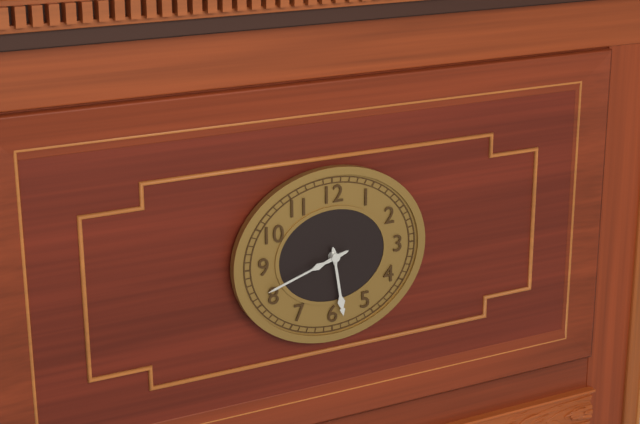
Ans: 5:42
